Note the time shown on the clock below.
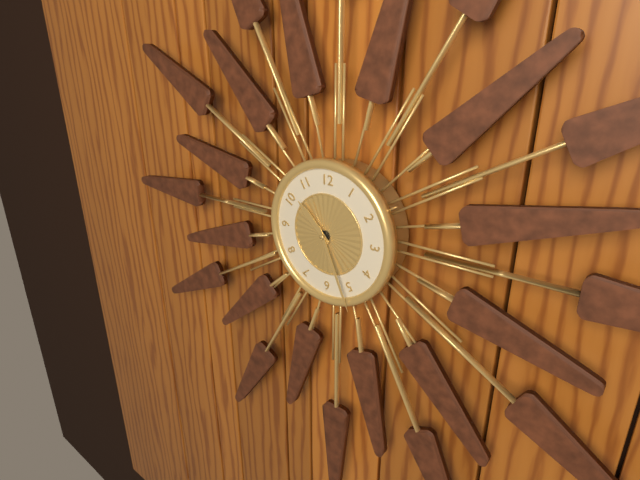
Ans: 10:26
